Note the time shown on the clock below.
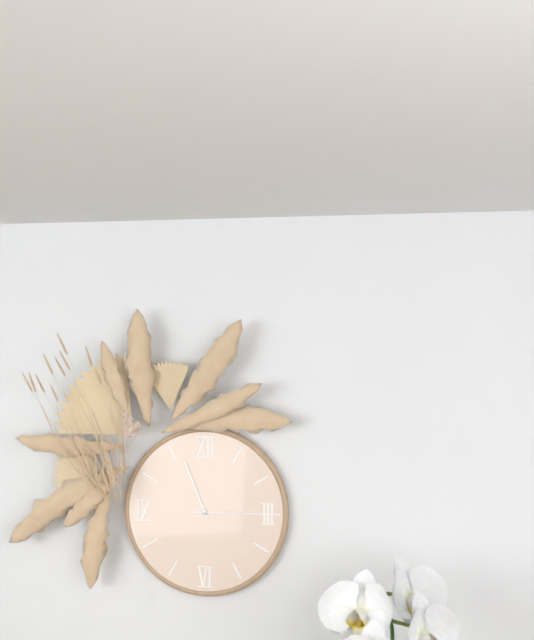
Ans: 11:15
